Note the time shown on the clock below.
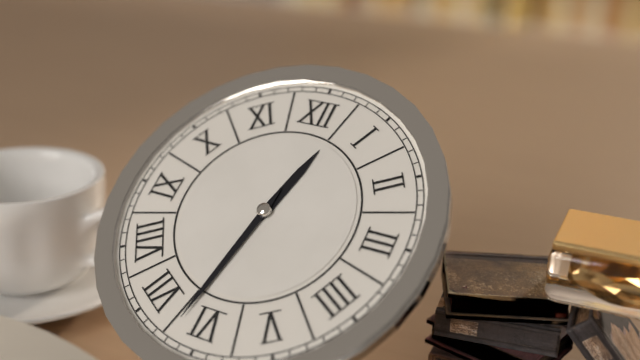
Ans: 12:32
